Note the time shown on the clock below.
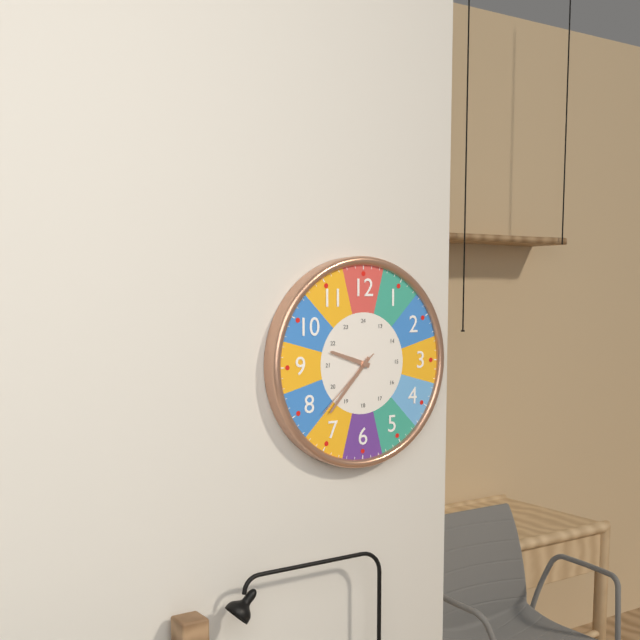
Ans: 9:37:38
